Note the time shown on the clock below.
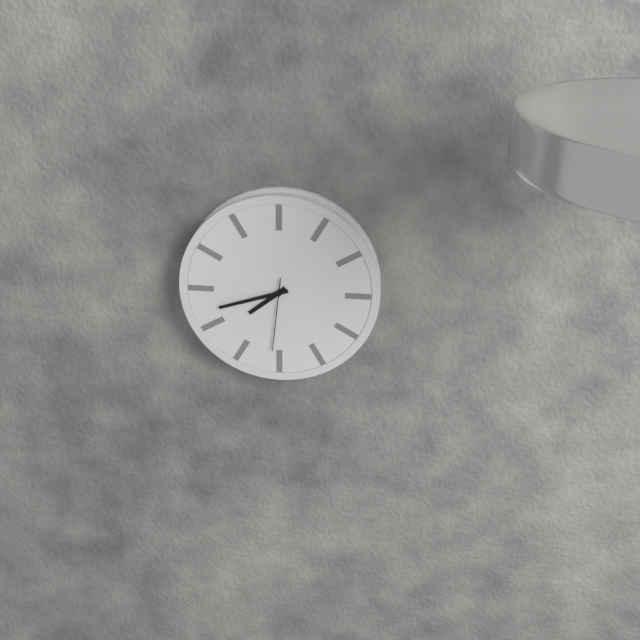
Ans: 7:42:31
